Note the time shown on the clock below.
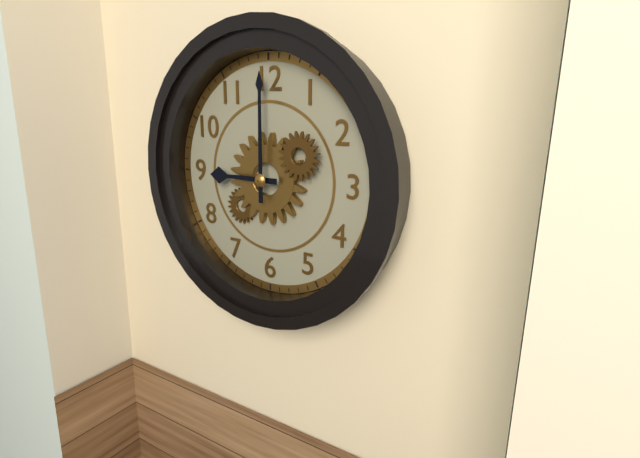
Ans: 9:00
